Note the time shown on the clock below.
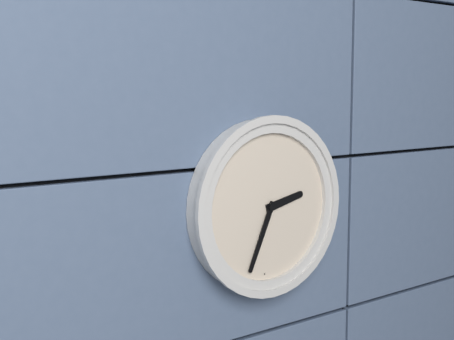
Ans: 2:34
